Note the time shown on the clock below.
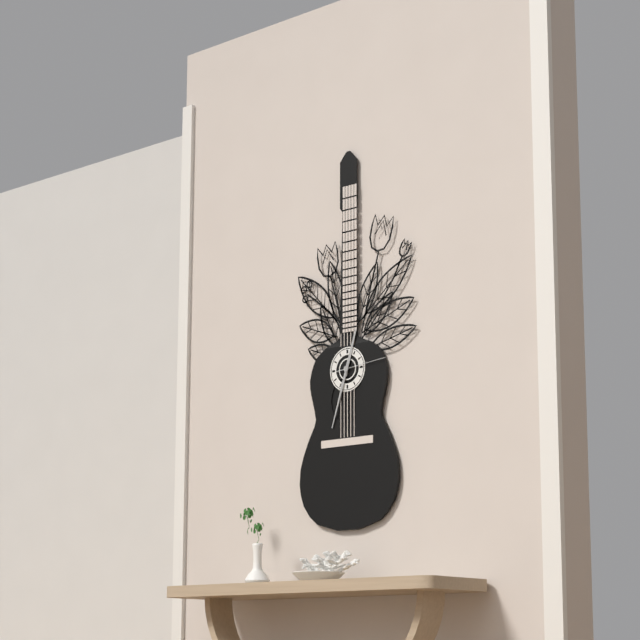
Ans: 12:33:14
